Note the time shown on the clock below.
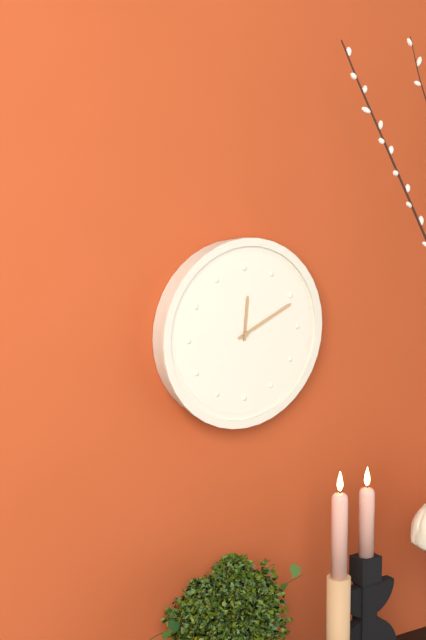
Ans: 12:11
